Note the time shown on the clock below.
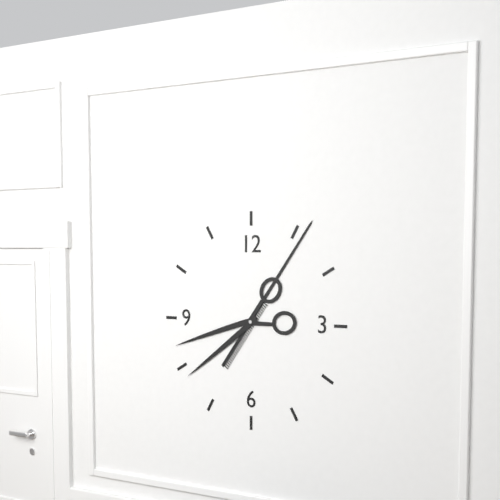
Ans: 8:06
